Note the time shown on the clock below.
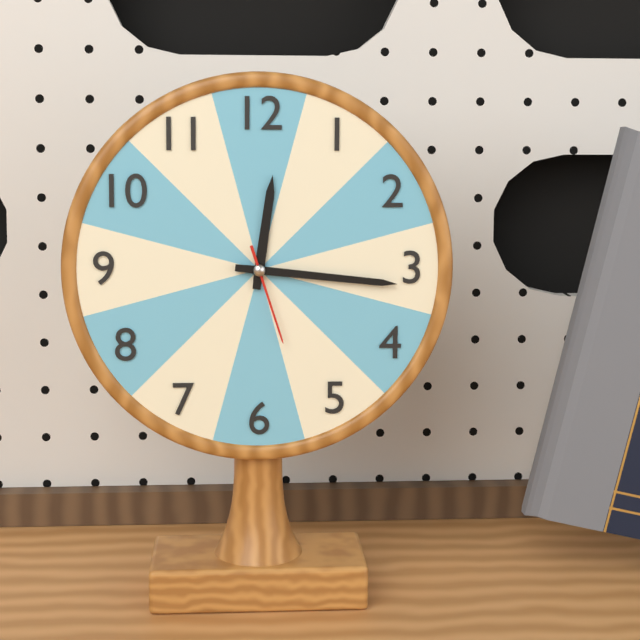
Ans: 12:16:27
